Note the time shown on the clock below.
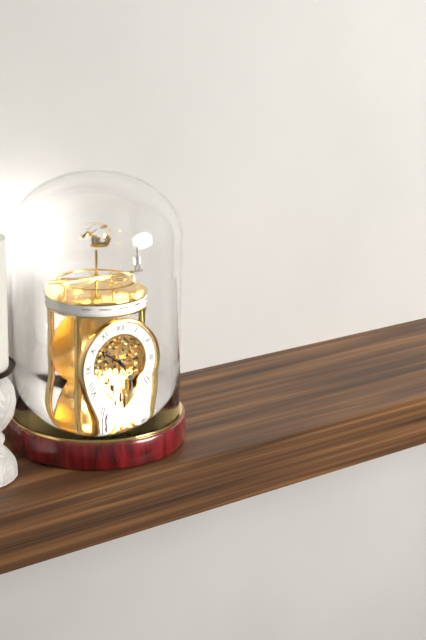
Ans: 4:51
